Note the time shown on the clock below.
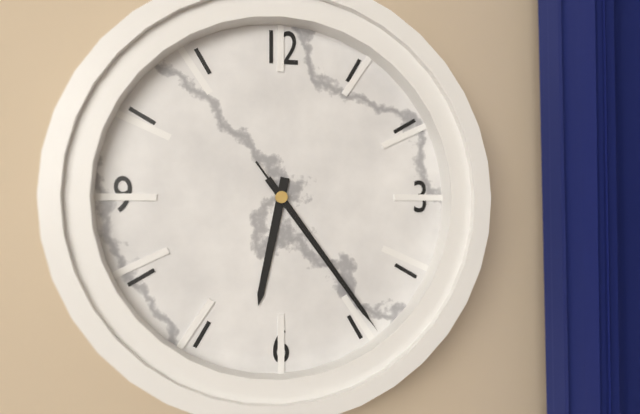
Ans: 6:24:24
